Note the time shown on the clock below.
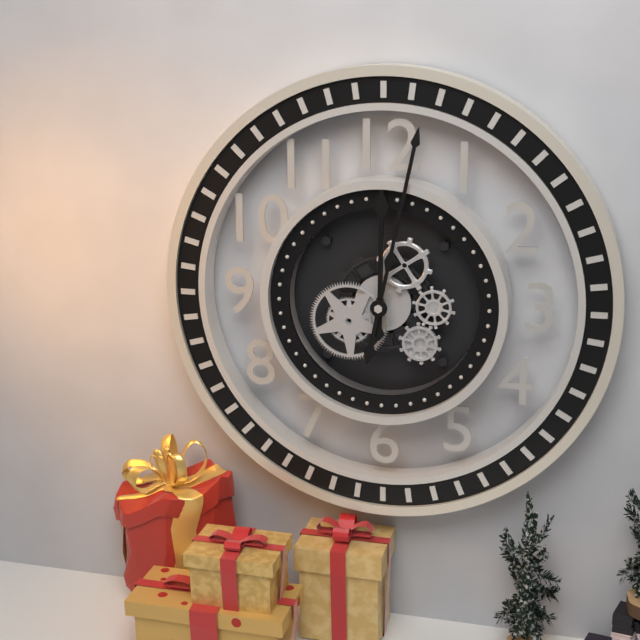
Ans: 12:02
